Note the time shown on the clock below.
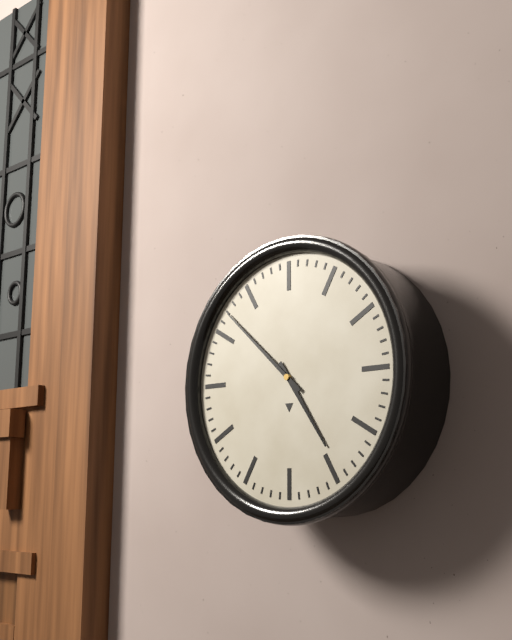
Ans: 4:52
